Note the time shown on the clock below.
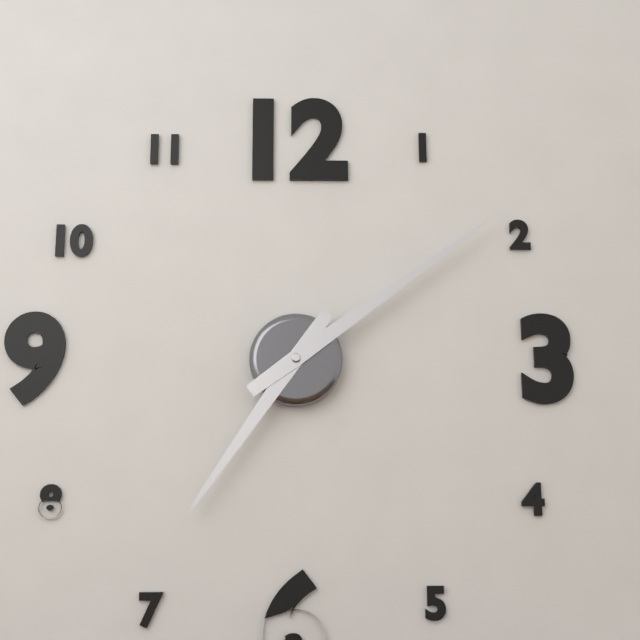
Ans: 7:09
